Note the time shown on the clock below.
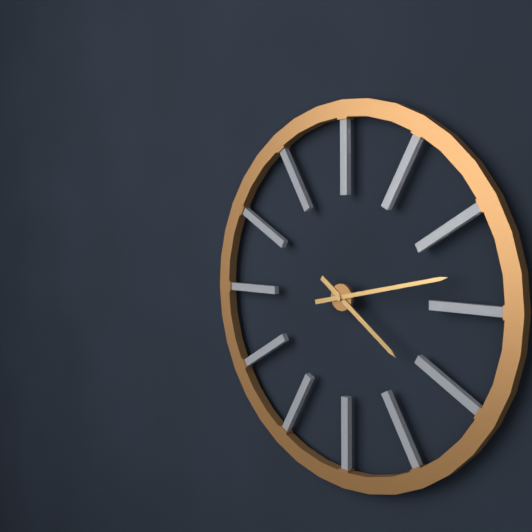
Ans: 4:13
